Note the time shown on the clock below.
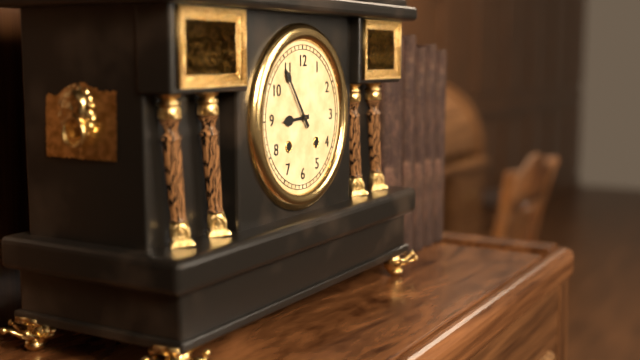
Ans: 8:54
